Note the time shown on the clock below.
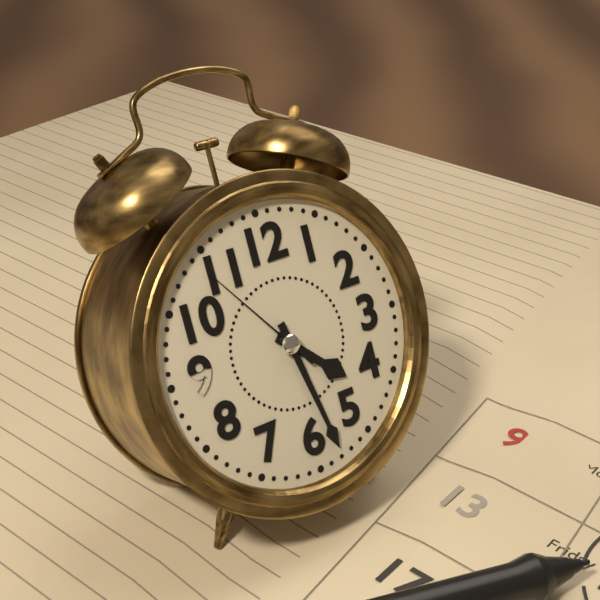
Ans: 4:28:54
